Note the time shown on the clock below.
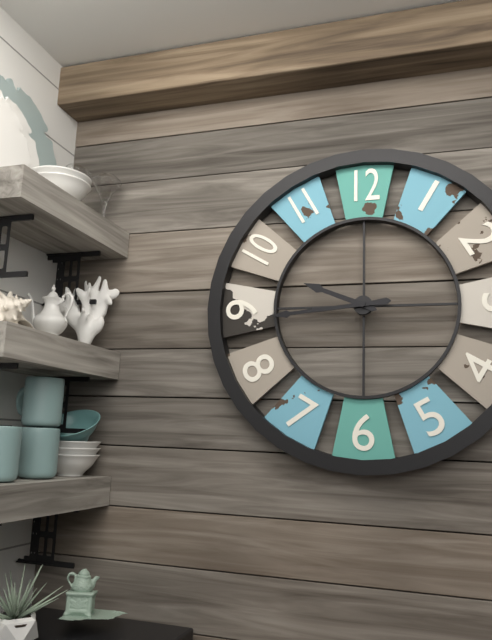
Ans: 9:44
